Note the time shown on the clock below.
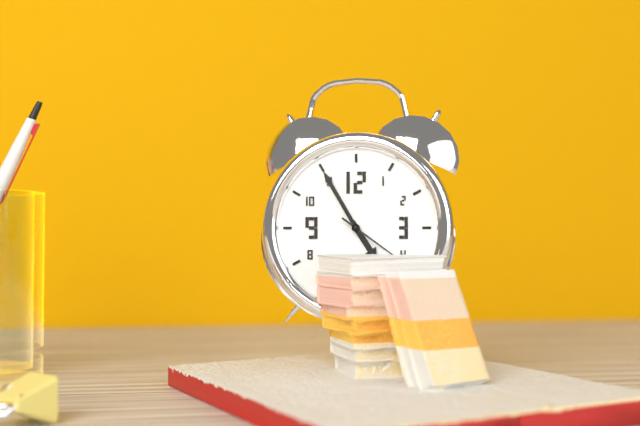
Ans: 4:55
